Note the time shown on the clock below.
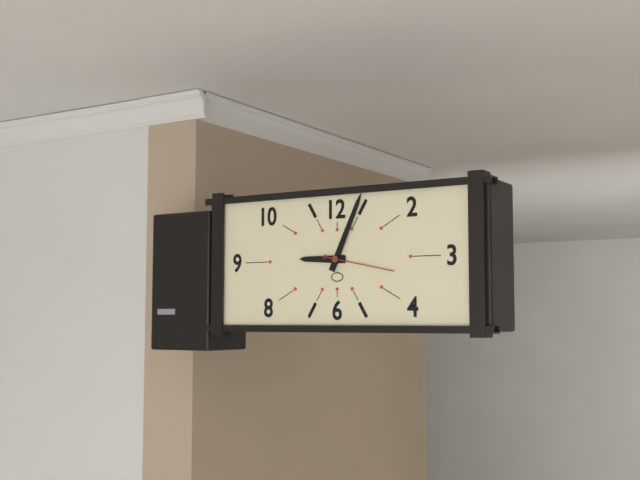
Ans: 9:04:17
